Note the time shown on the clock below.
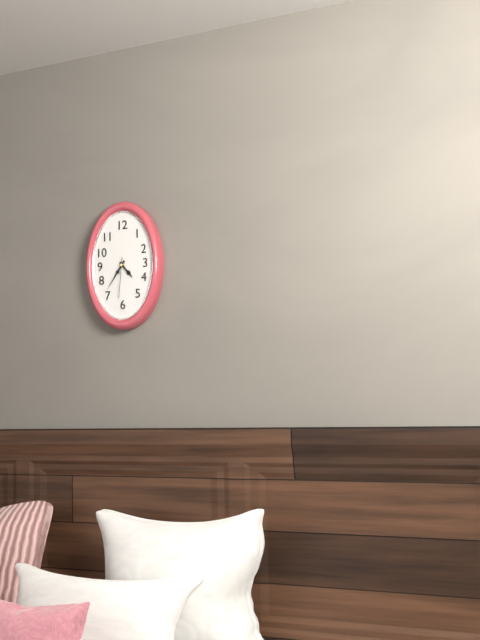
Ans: 4:36
